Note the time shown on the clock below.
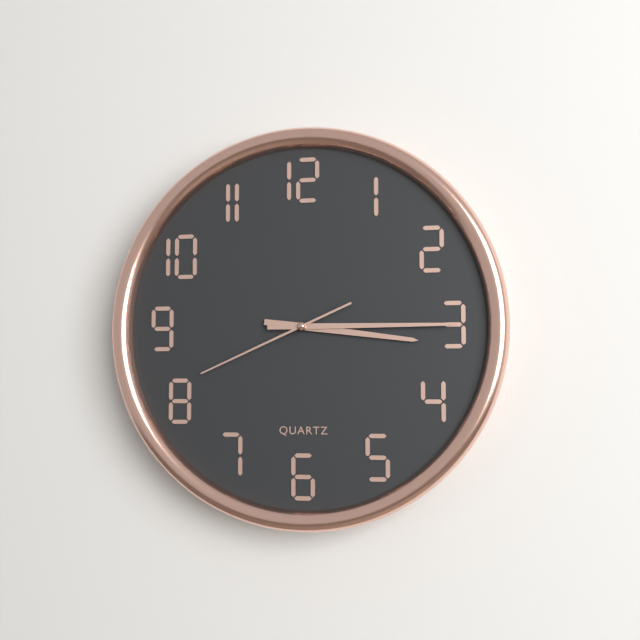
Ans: 3:15:41
